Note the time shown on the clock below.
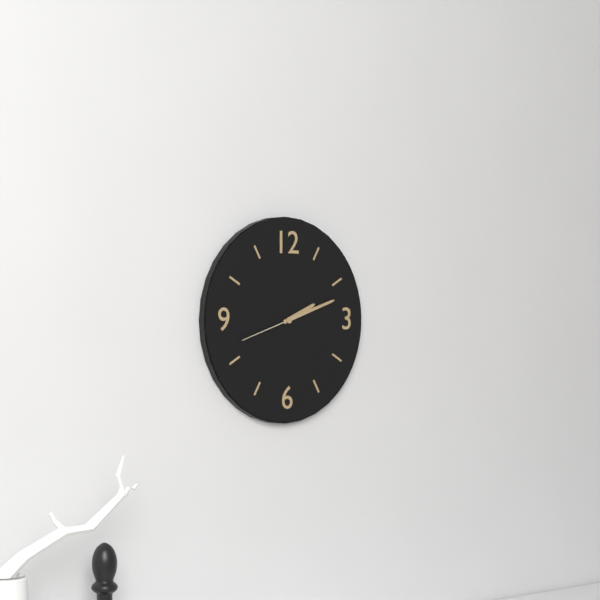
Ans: 2:12:42
